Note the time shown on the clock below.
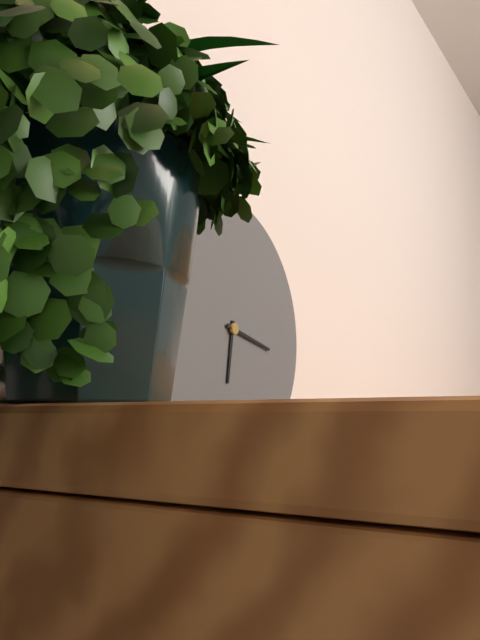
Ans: 6:17
